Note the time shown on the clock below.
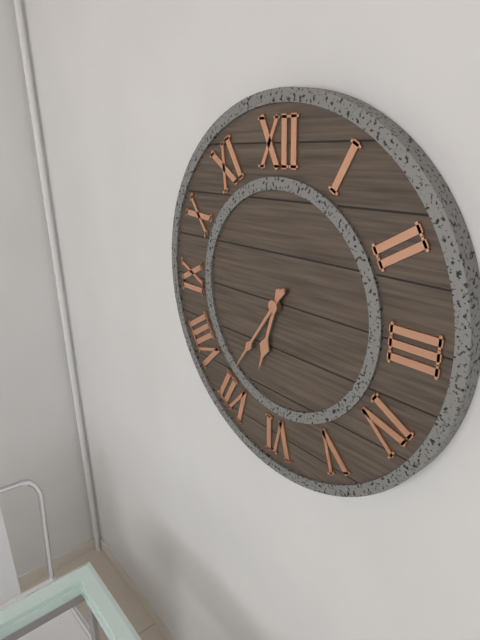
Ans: 6:36
